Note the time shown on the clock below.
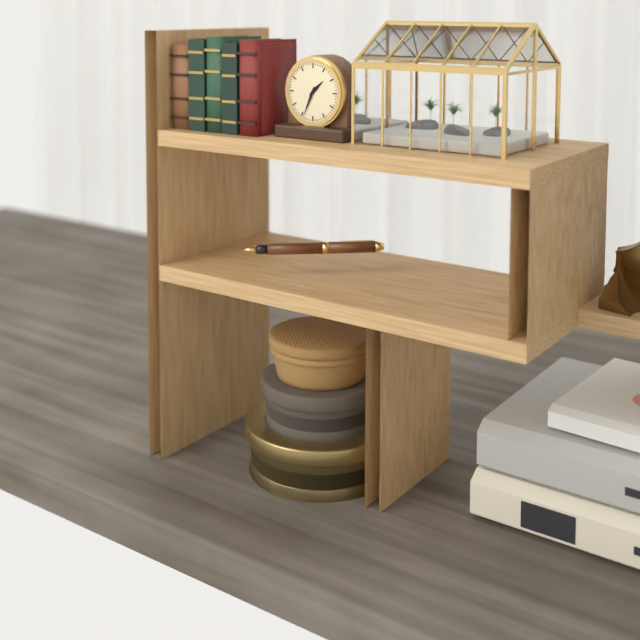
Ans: 1:34
